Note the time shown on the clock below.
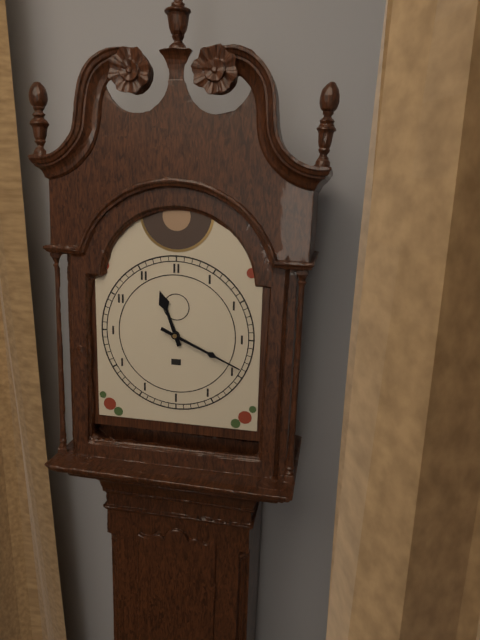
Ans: 11:19
